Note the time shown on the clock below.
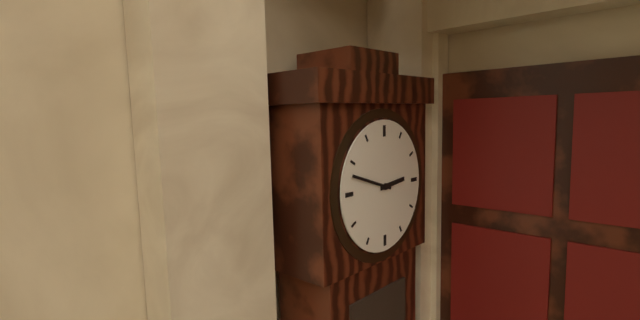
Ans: 2:48
